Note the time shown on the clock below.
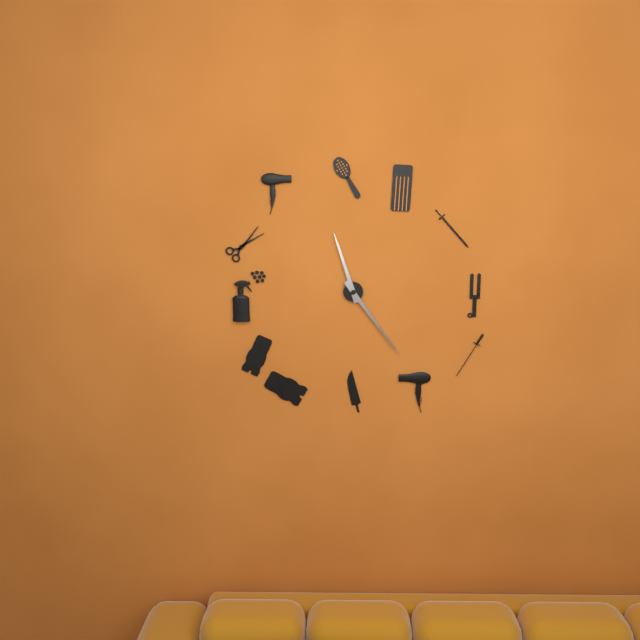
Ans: 11:24
